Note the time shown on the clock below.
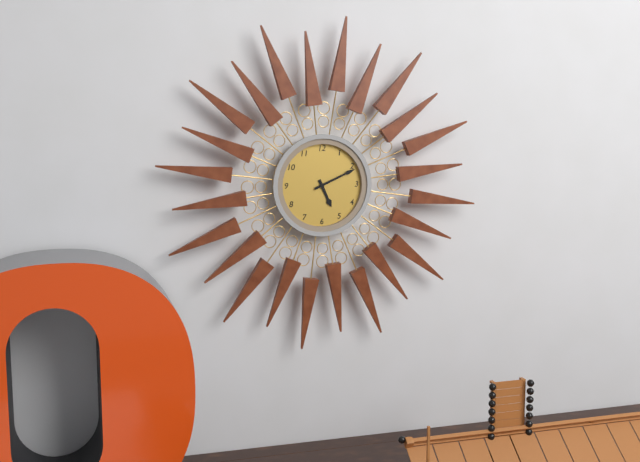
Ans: 5:11
